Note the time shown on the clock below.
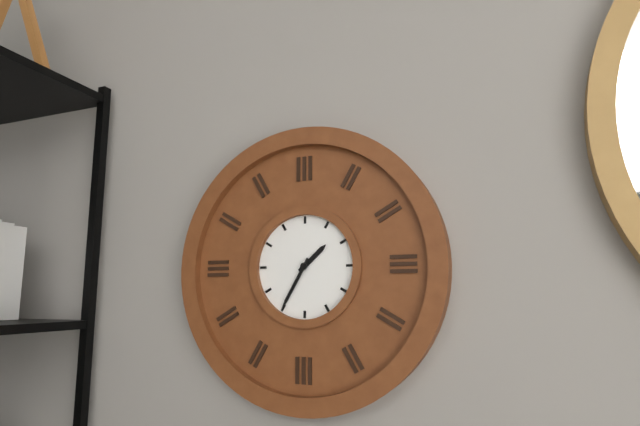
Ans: 1:35
